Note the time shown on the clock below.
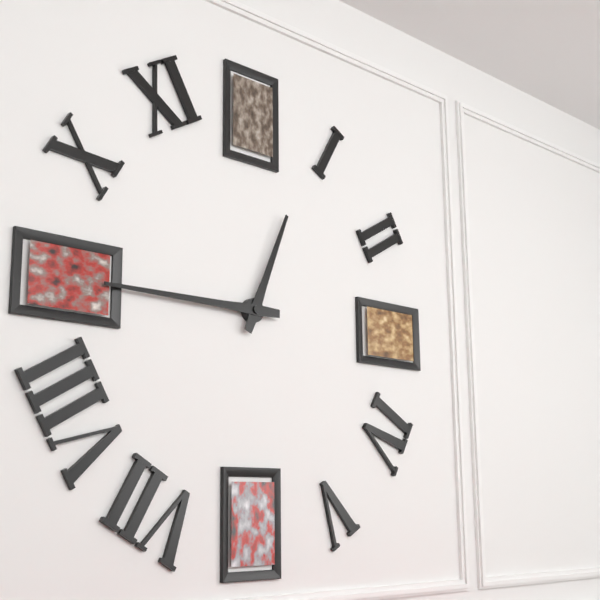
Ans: 12:45
